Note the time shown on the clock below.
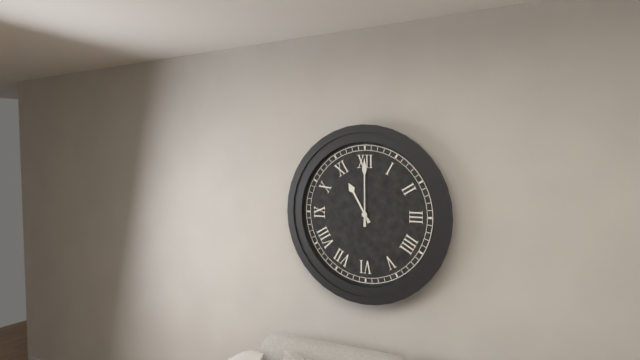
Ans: 11:00
